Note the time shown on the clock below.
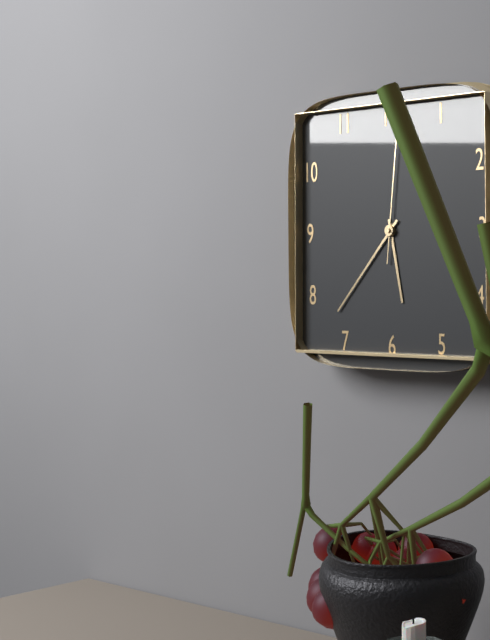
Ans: 5:37:01
